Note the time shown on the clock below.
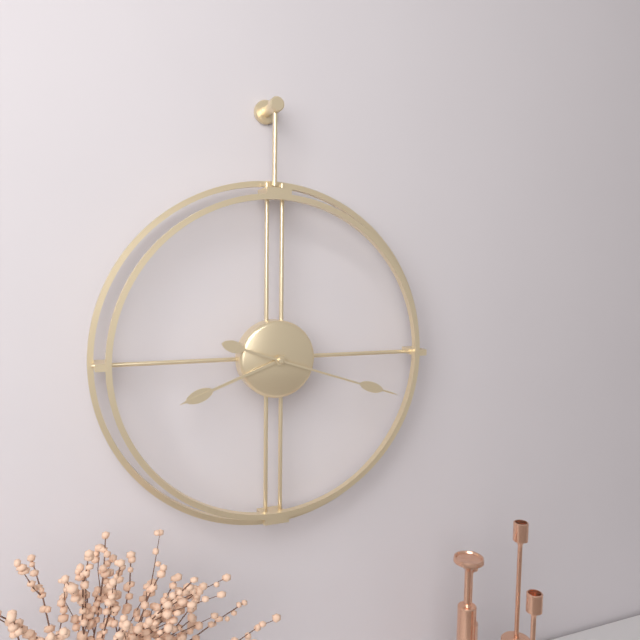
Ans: 8:18
